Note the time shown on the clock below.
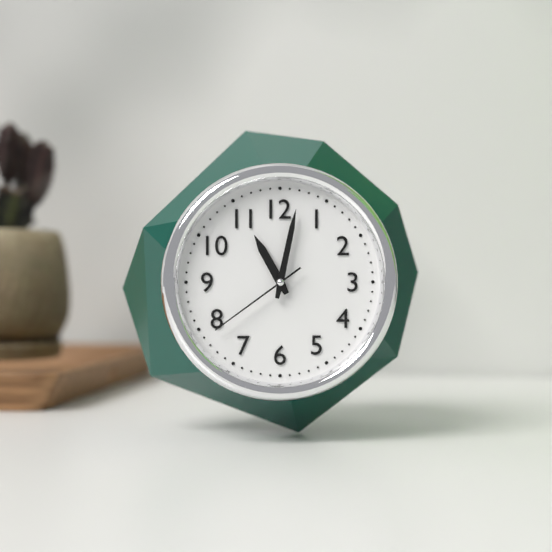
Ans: 11:02:39
